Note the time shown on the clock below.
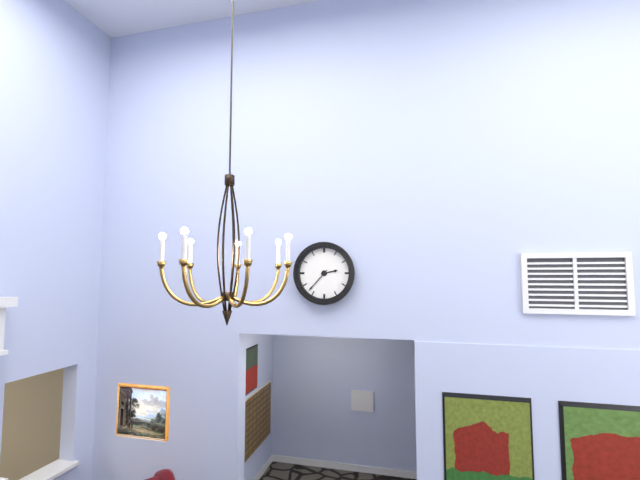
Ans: 2:37
